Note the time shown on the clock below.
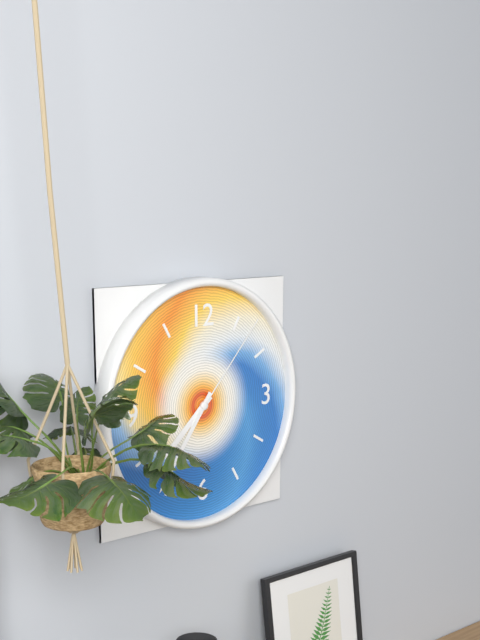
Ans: 7:36:07
